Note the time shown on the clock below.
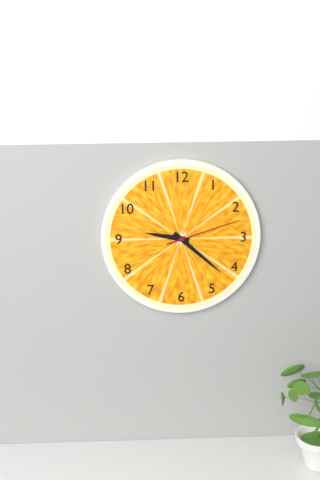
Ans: 9:22:12
